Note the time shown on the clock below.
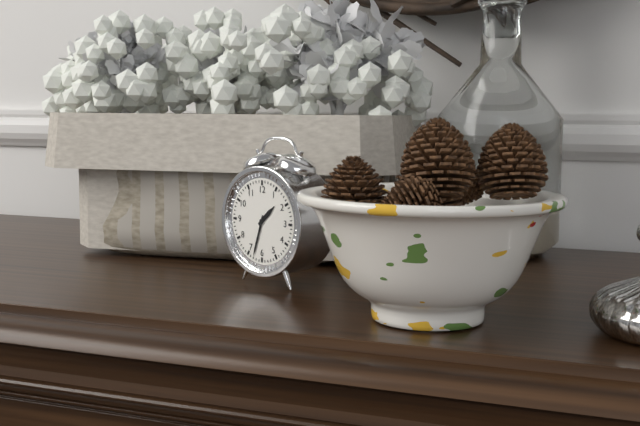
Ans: 1:33
